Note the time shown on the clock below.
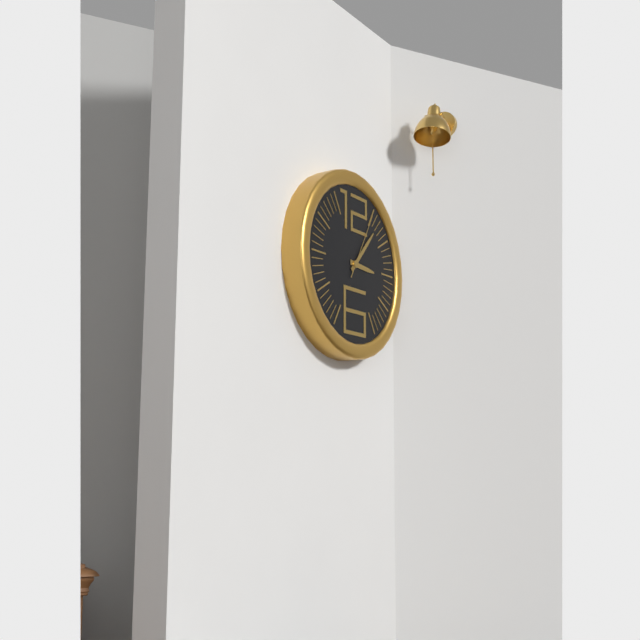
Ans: 3:07:05
